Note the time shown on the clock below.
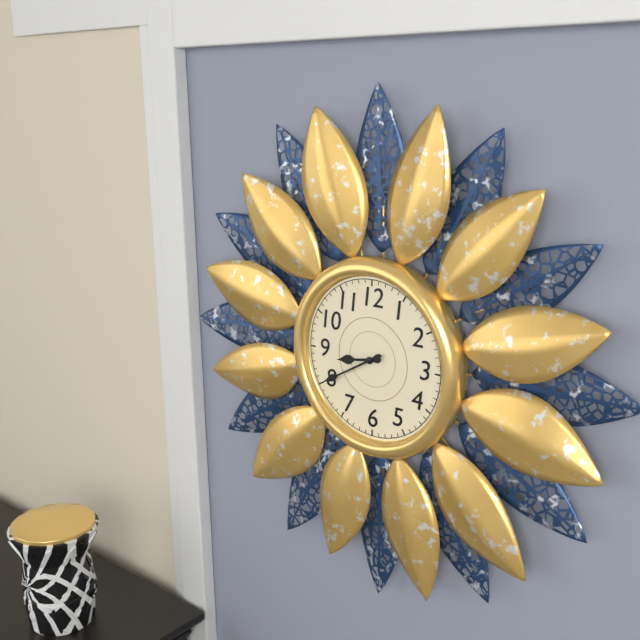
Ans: 8:40
